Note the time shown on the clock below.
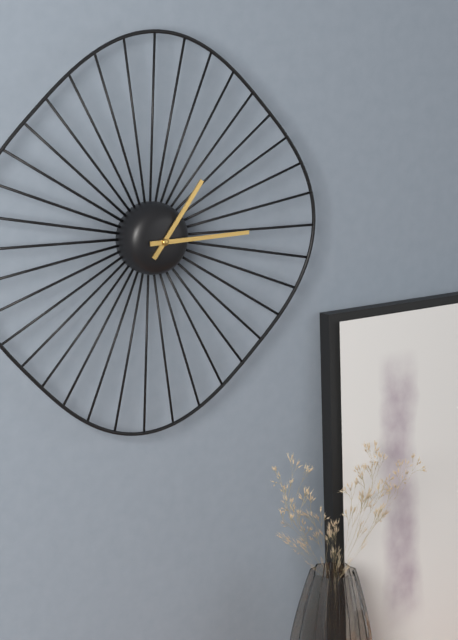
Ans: 1:15
